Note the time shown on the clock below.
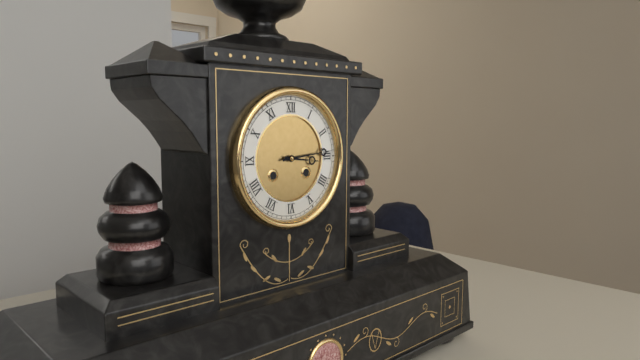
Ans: 3:14
